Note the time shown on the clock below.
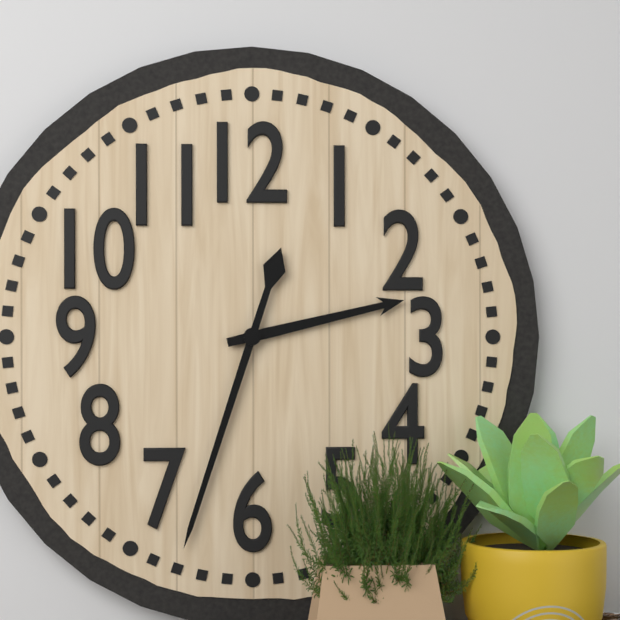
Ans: 2:33
